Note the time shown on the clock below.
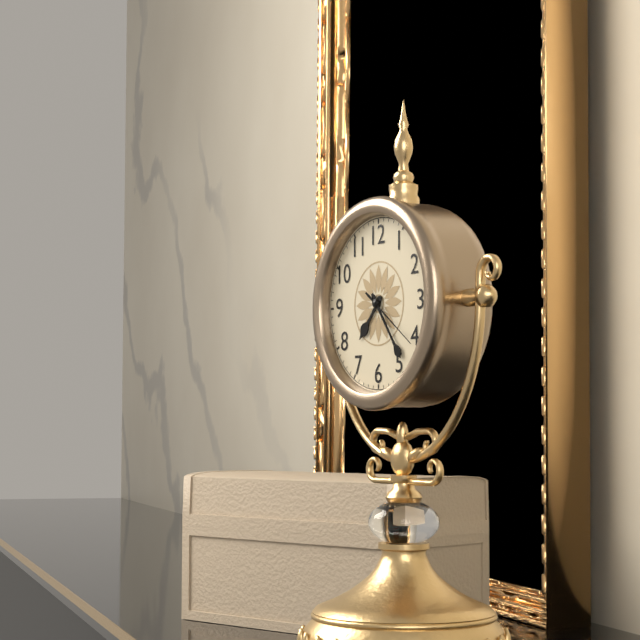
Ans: 7:24:21
